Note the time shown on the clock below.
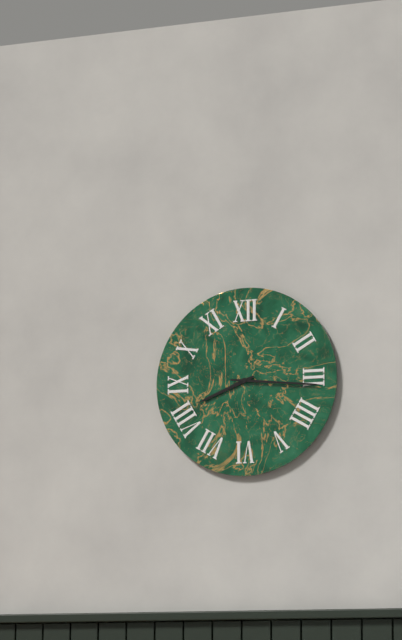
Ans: 8:16
